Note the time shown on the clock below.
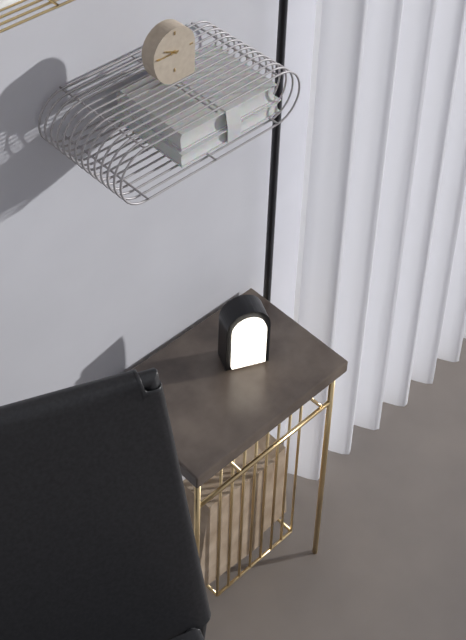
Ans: 9:45
